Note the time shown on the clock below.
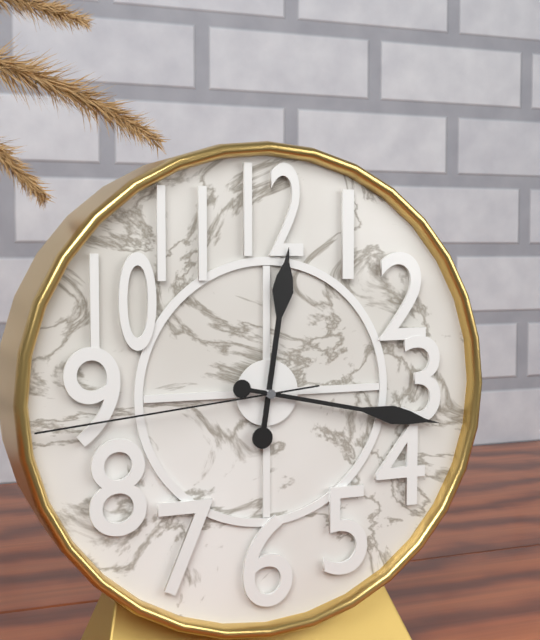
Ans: 12:17:44
